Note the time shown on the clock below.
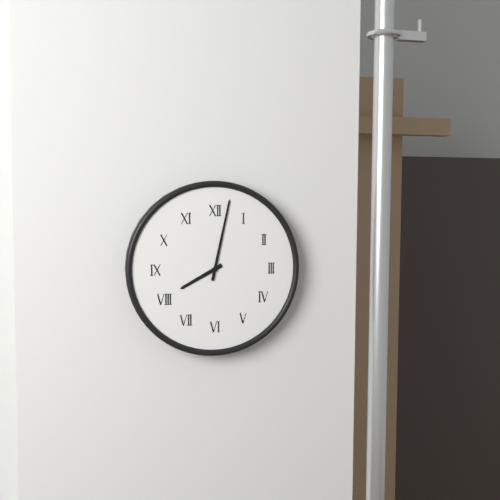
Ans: 8:02
